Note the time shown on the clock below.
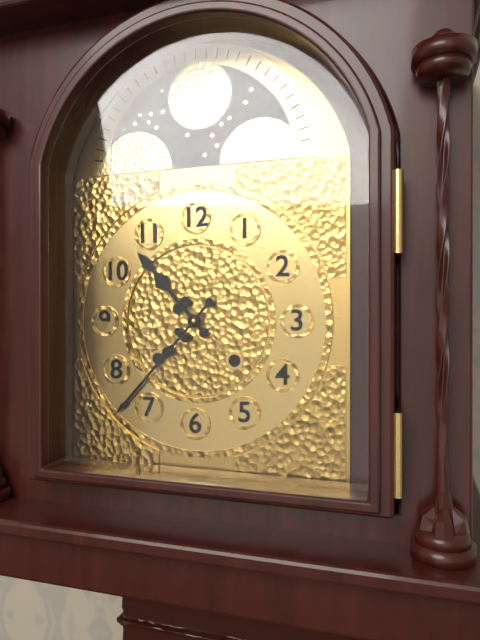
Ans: 10:37
